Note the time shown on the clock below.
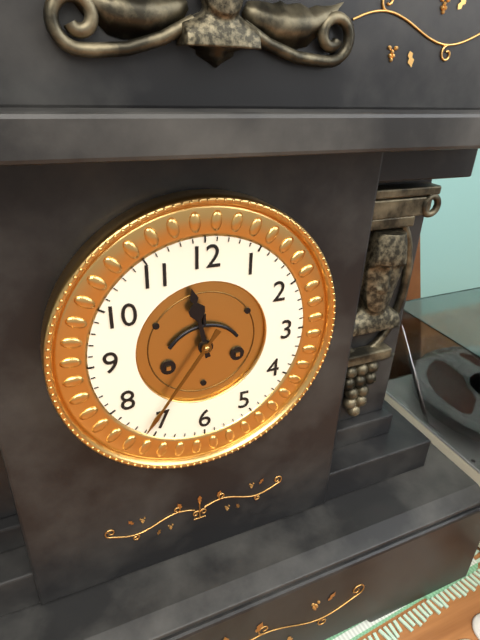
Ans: 11:36
